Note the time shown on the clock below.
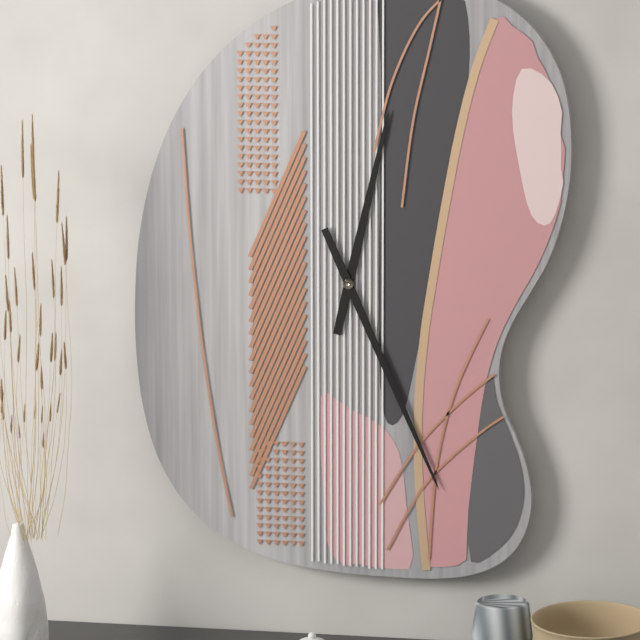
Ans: 12:26
